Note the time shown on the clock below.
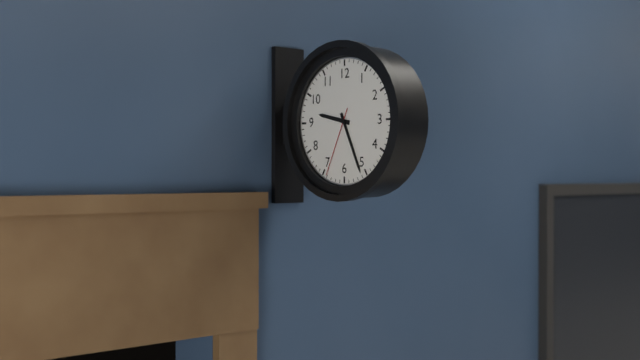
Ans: 9:26:34
